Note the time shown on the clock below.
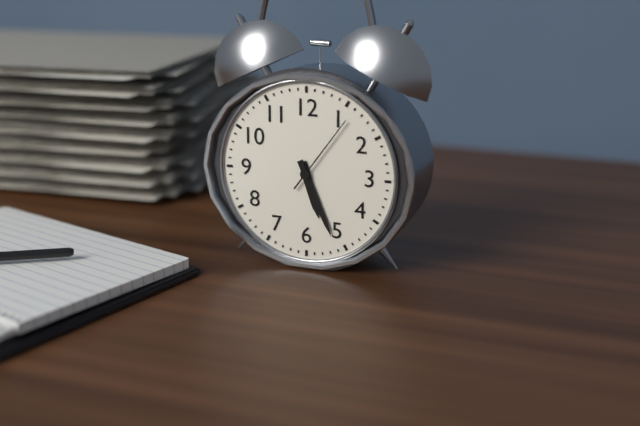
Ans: 5:26:06
